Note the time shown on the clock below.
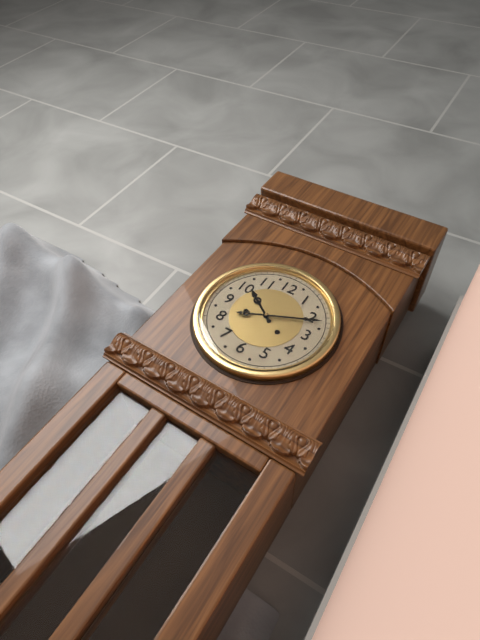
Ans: 10:11
